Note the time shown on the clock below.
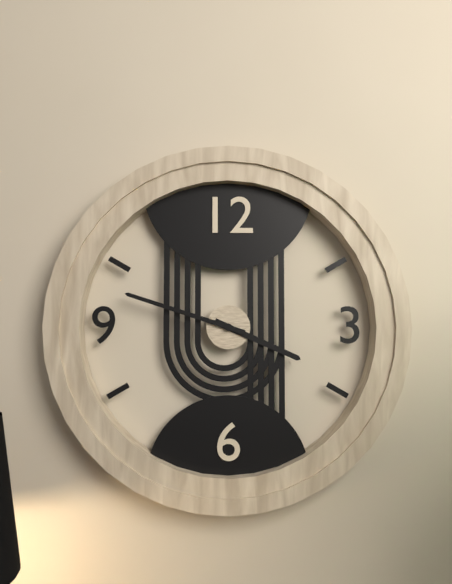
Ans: 3:48
